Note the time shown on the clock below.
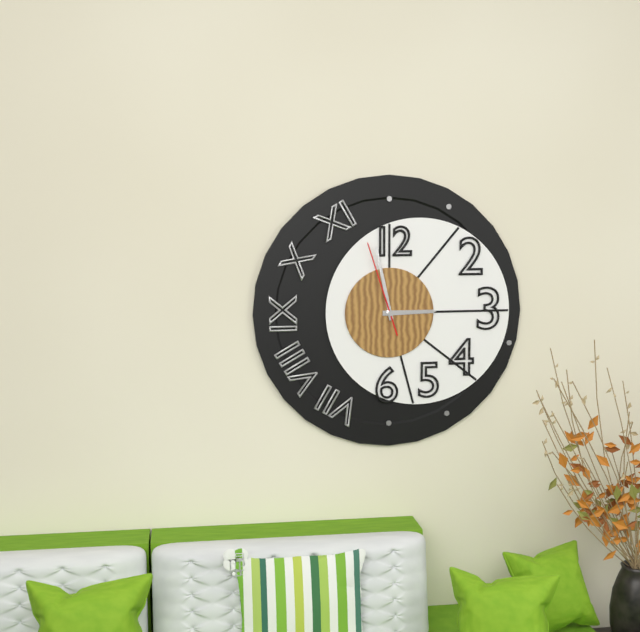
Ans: 2:58:57
